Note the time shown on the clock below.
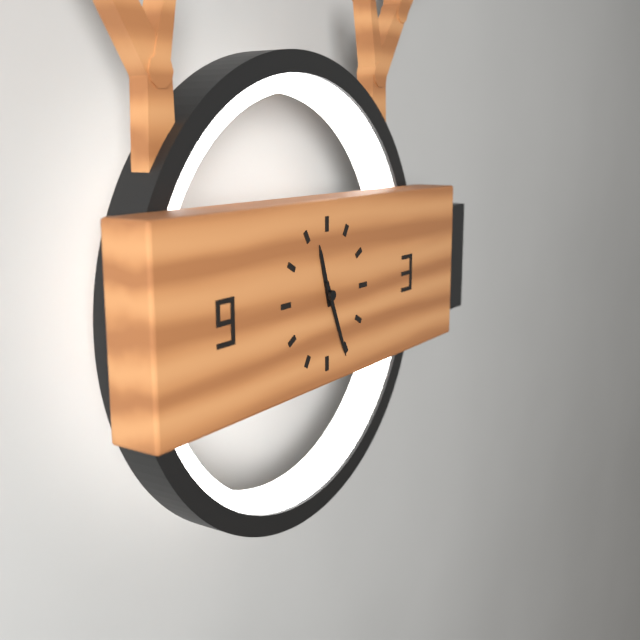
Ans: 11:26
